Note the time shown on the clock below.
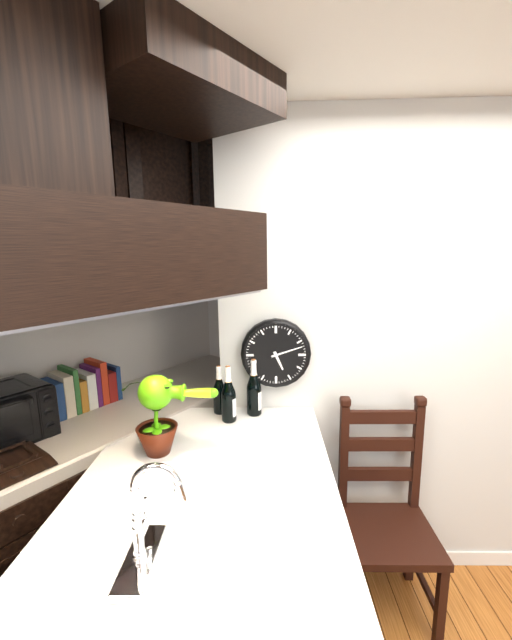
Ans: 5:12
